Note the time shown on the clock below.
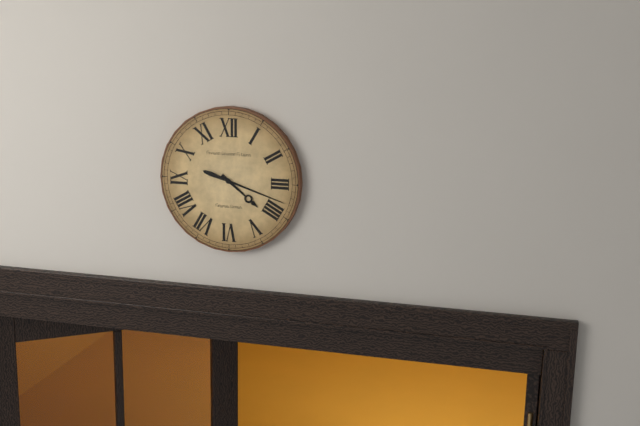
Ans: 4:18
